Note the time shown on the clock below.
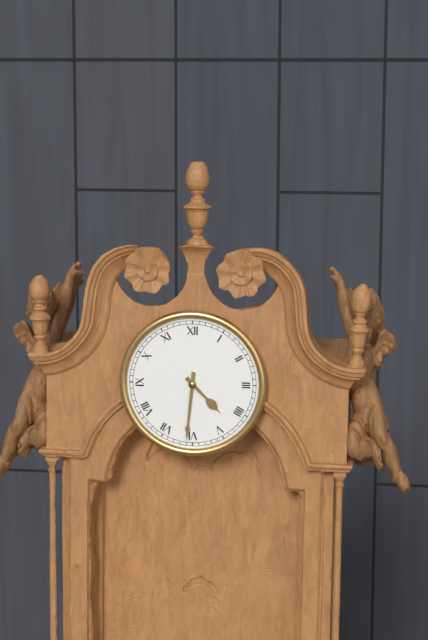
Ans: 4:31
